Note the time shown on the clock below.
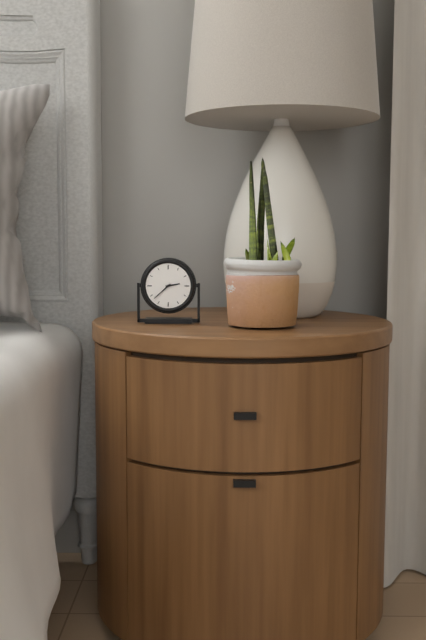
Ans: 2:38
